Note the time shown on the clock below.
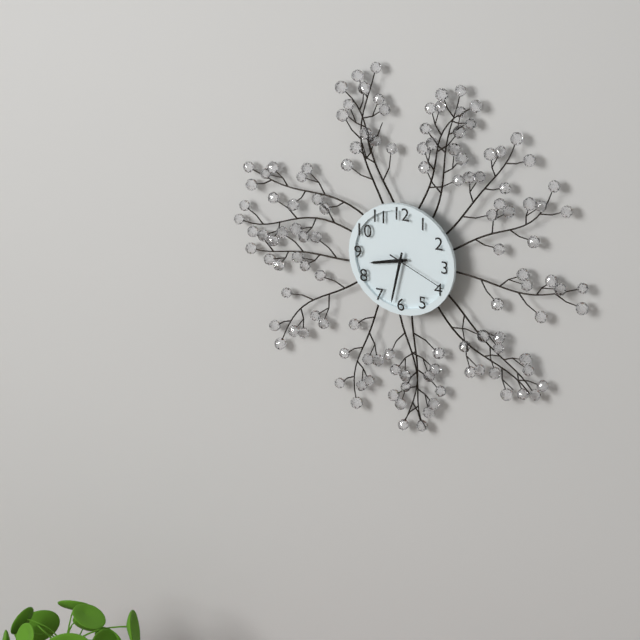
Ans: 8:32:19
